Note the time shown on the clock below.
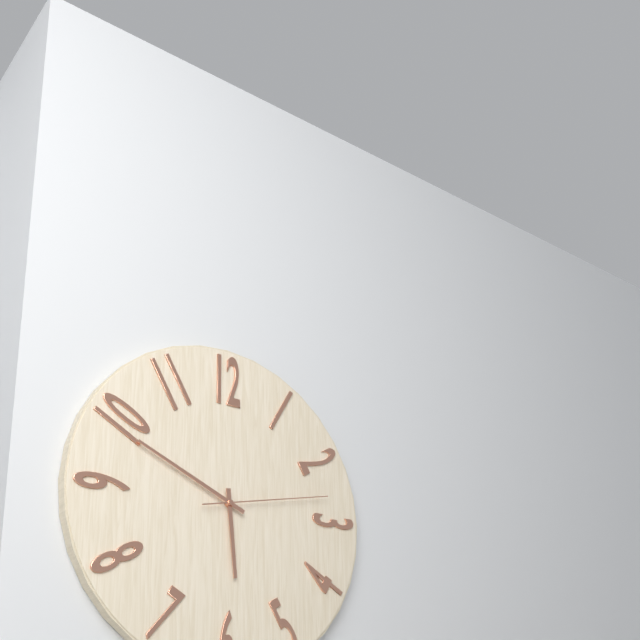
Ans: 5:49:13
